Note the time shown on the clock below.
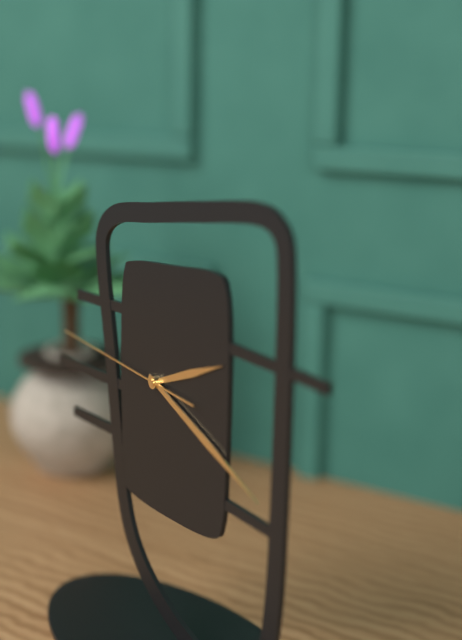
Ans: 2:19:46
